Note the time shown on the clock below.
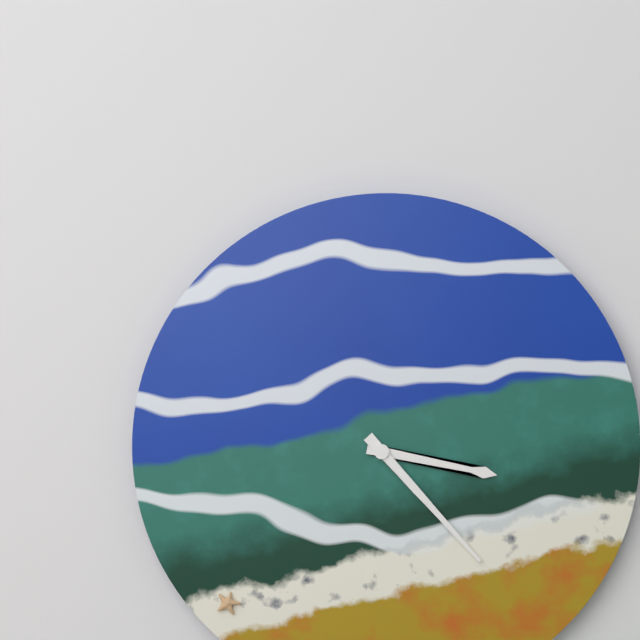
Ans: 3:23
